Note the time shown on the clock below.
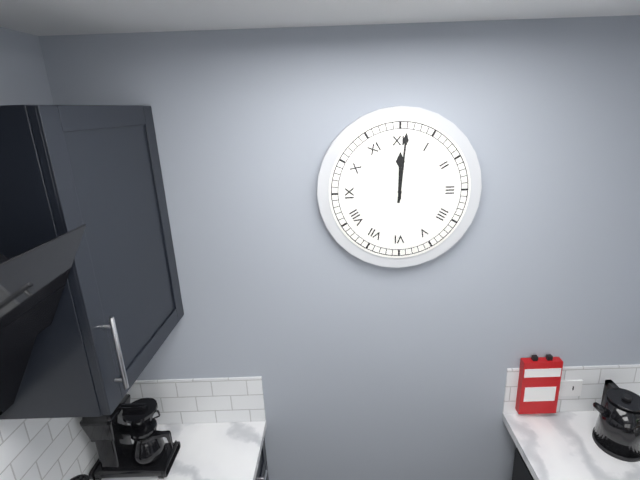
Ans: 12:01
